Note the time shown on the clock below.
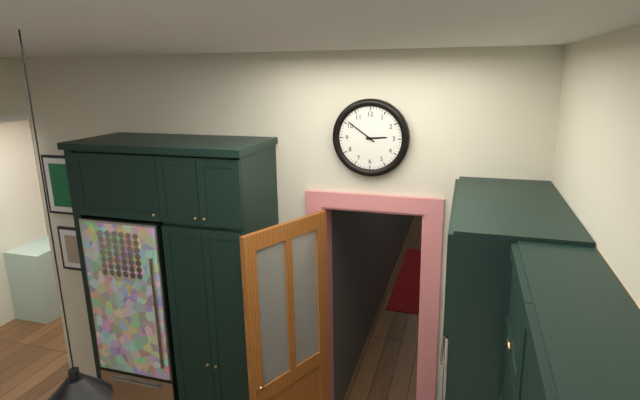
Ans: 2:51
